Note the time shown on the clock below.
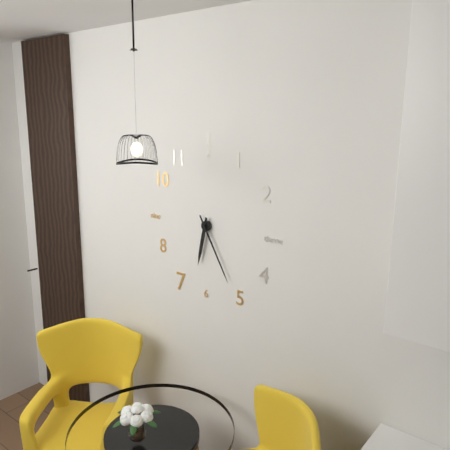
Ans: 6:25
